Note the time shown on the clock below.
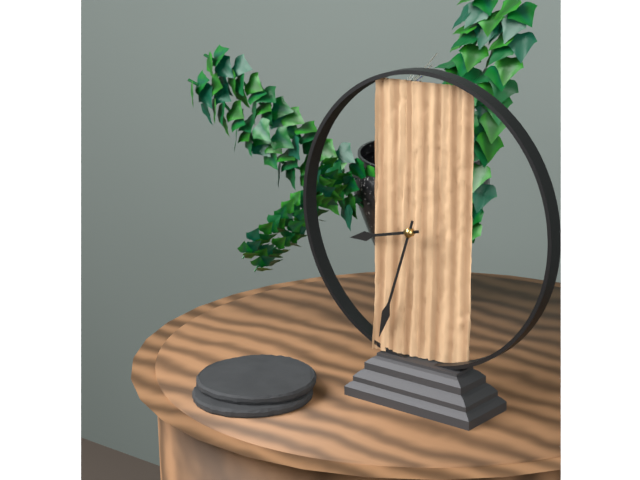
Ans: 8:33
